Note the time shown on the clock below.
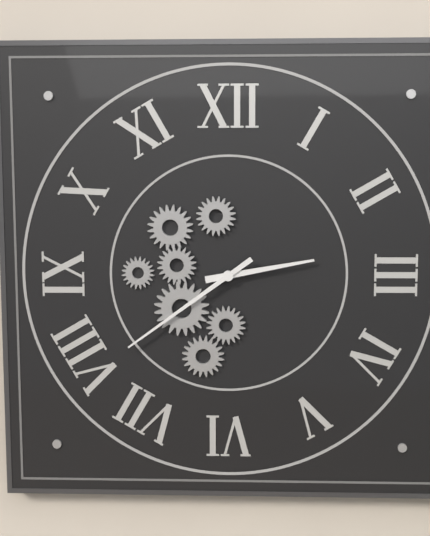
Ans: 2:39
